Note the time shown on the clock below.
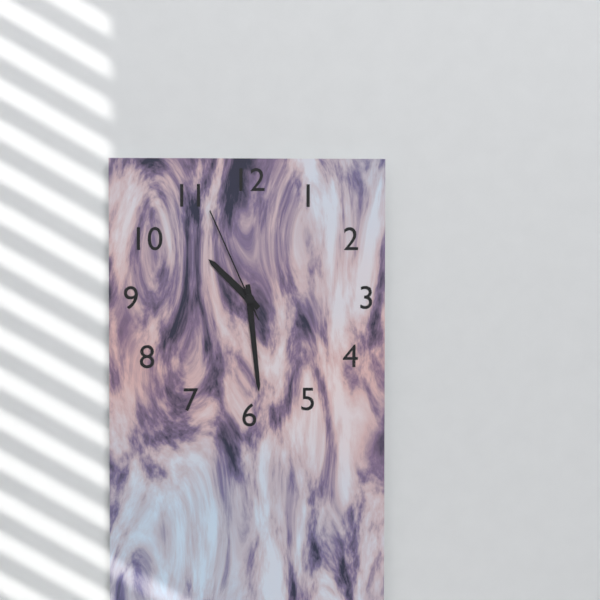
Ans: 10:29:56
